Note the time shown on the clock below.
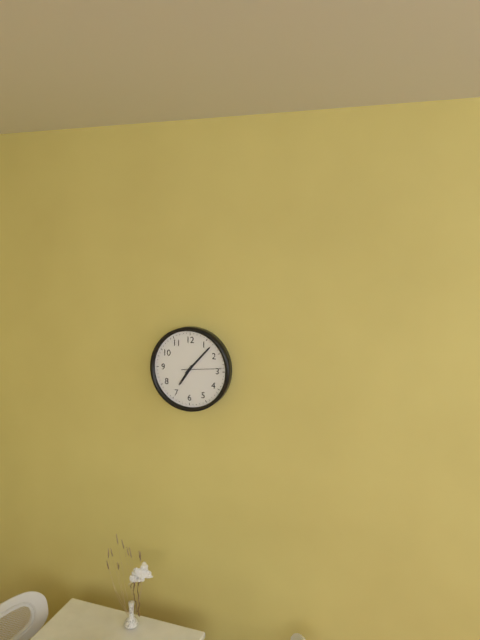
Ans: 7:07
